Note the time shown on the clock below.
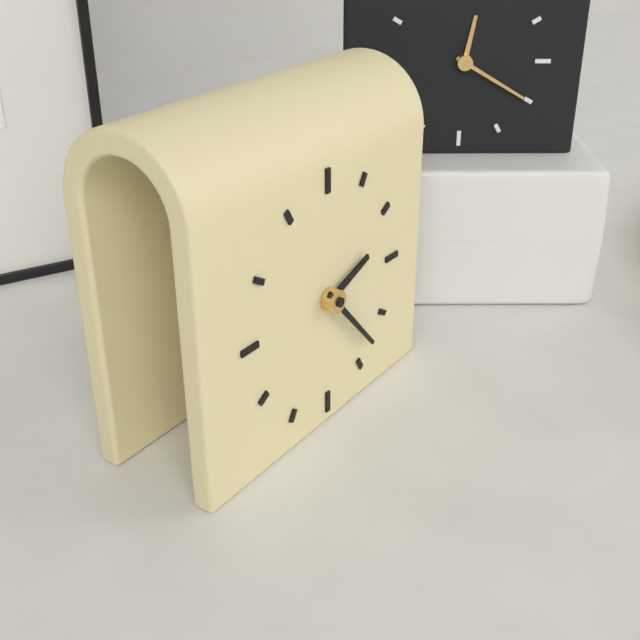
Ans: 2:23
